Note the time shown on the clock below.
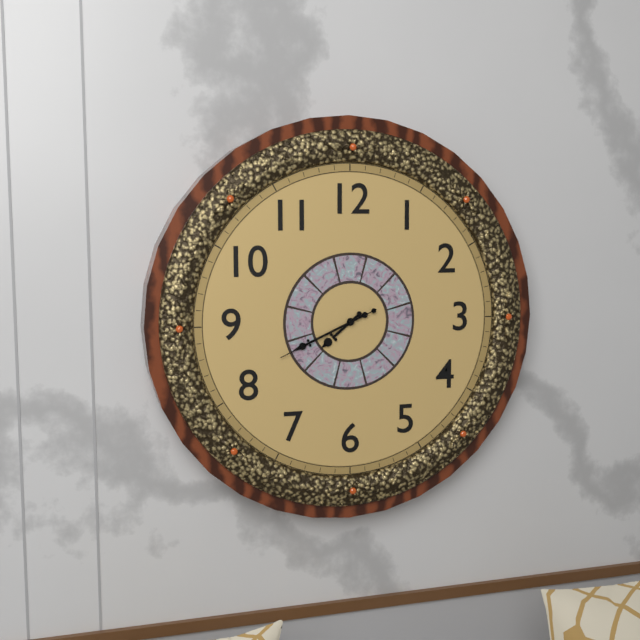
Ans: 7:41:41
